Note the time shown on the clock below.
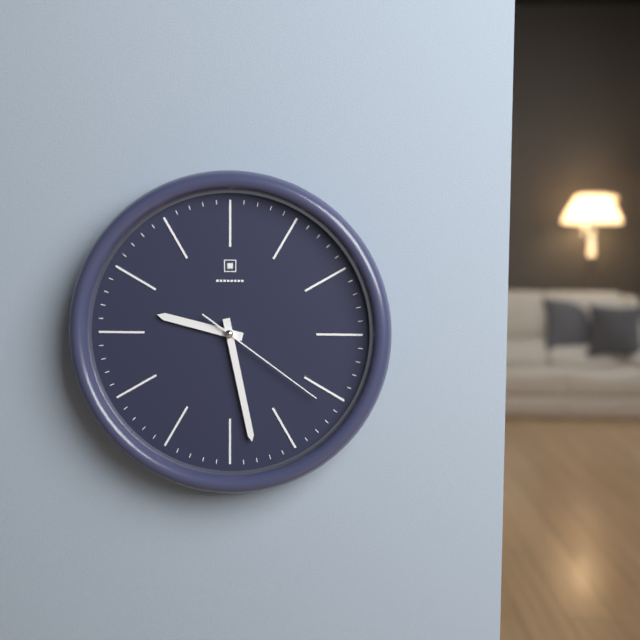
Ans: 9:28:21
